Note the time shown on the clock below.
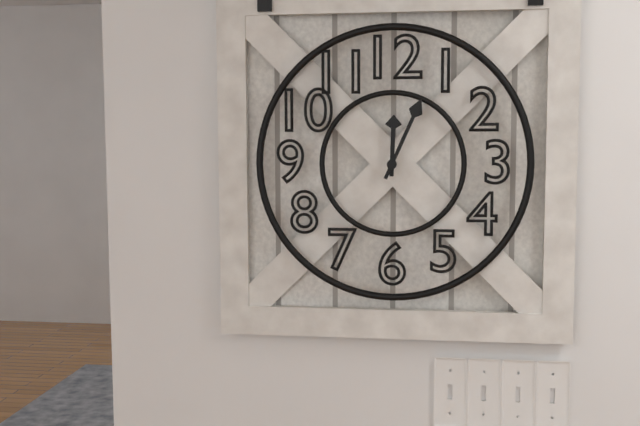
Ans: 12:04
